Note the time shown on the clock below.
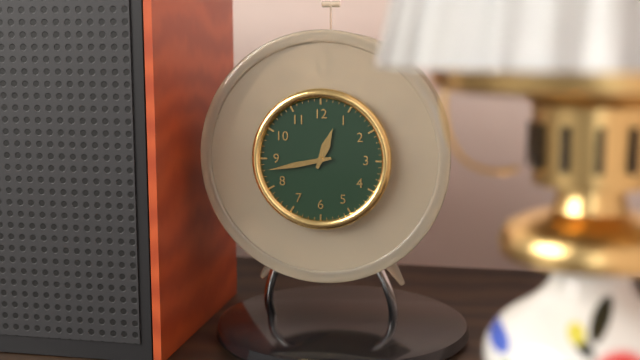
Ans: 12:43
